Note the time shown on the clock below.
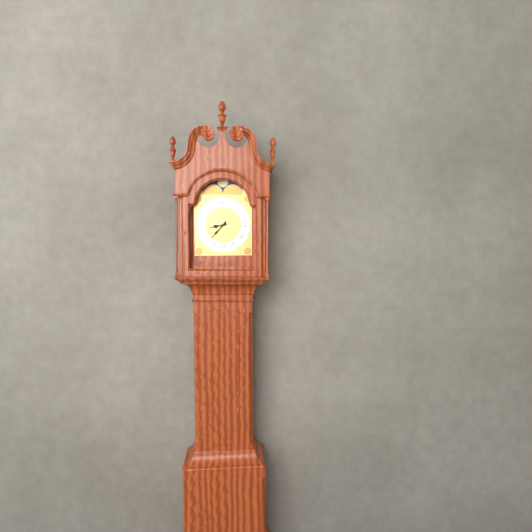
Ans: 8:37
